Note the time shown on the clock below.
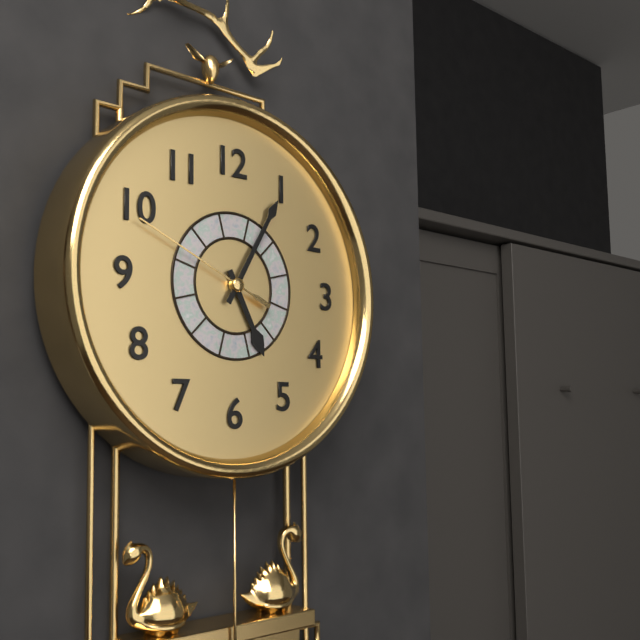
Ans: 5:05:49
